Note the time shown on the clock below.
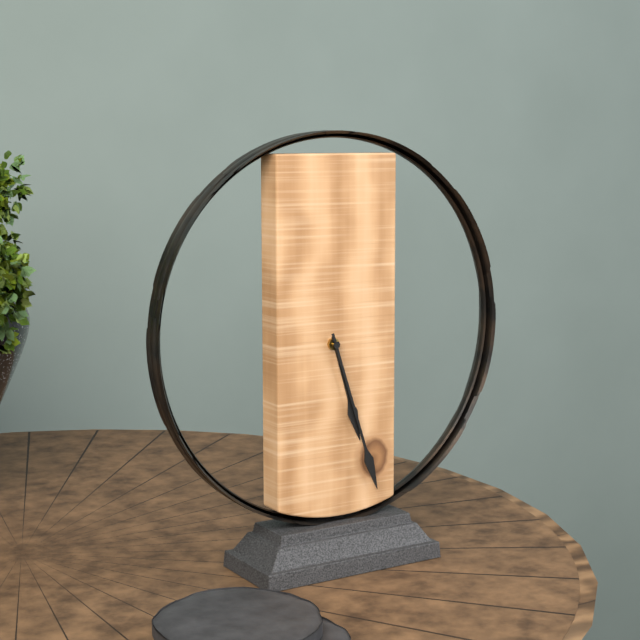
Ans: 5:27
